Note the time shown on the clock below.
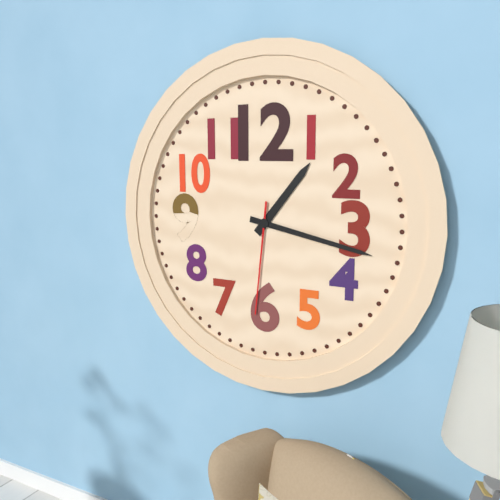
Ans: 1:17:31
